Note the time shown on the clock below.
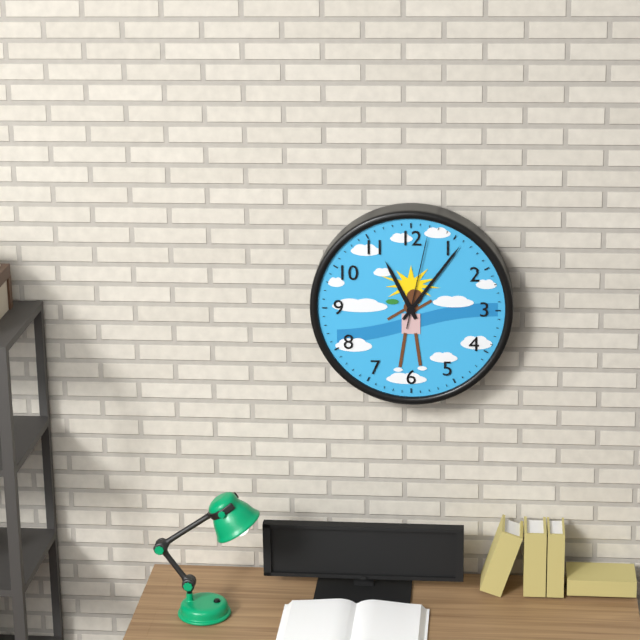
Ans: 11:06:02
